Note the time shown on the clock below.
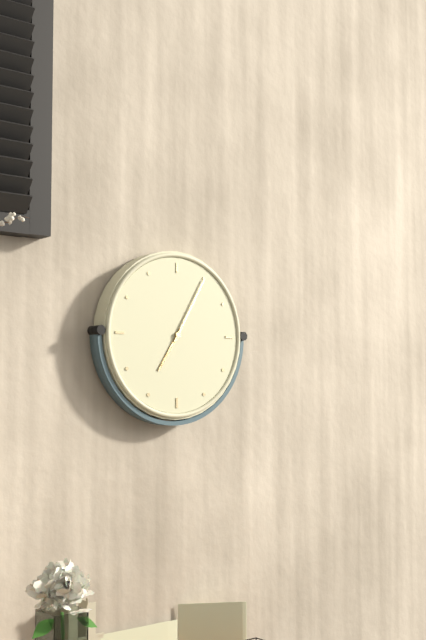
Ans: 7:05
